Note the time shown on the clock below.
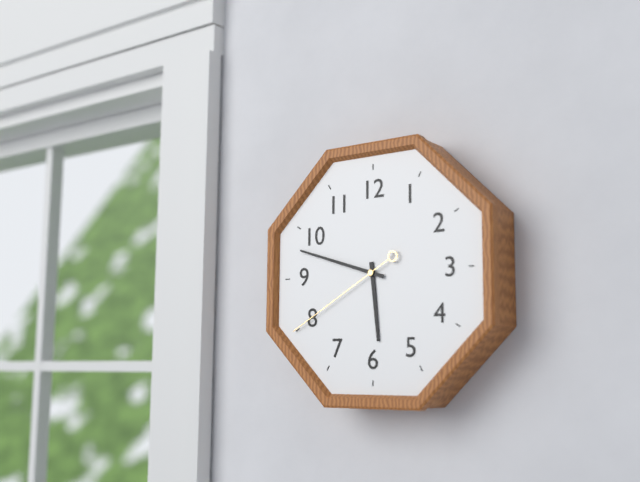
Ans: 5:48:40
